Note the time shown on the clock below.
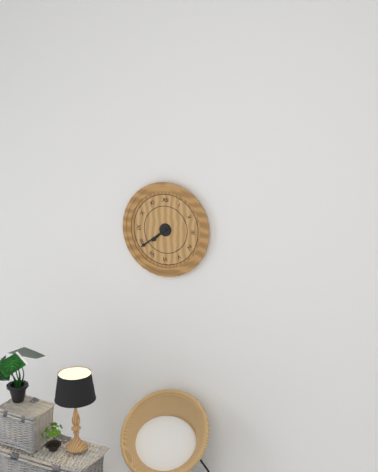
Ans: 7:39
